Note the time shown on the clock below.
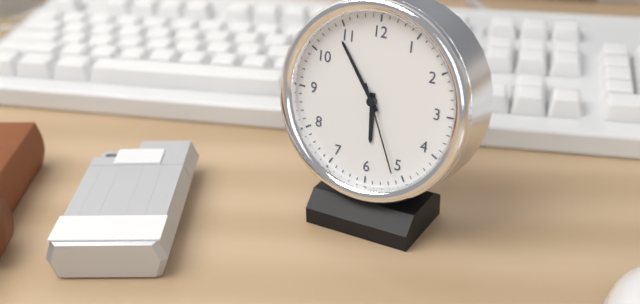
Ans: 5:54:26
